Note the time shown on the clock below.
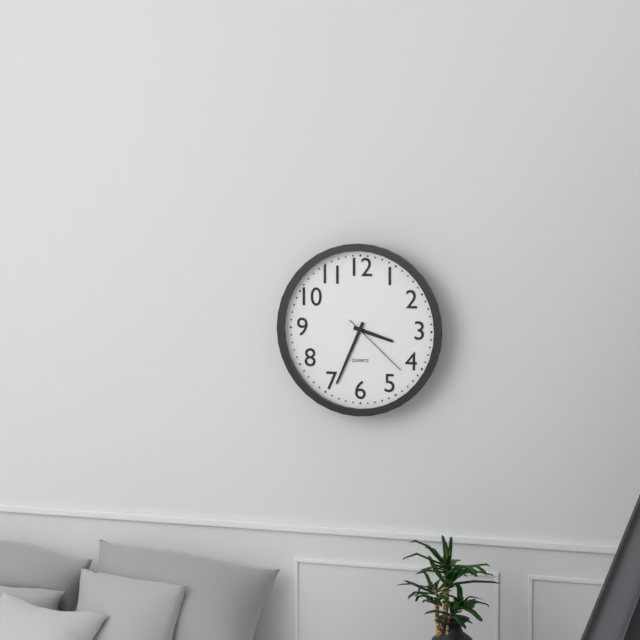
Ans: 3:34:22
